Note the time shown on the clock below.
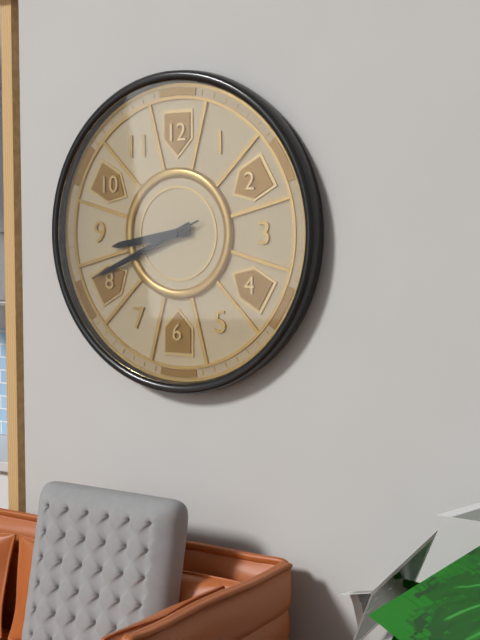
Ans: 8:41:41
